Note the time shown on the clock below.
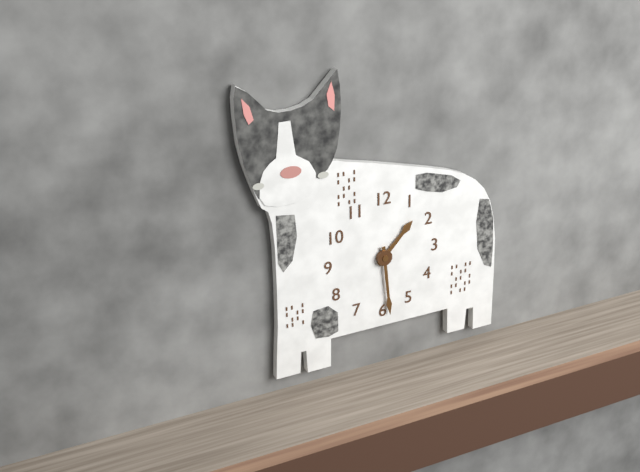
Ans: 1:29
